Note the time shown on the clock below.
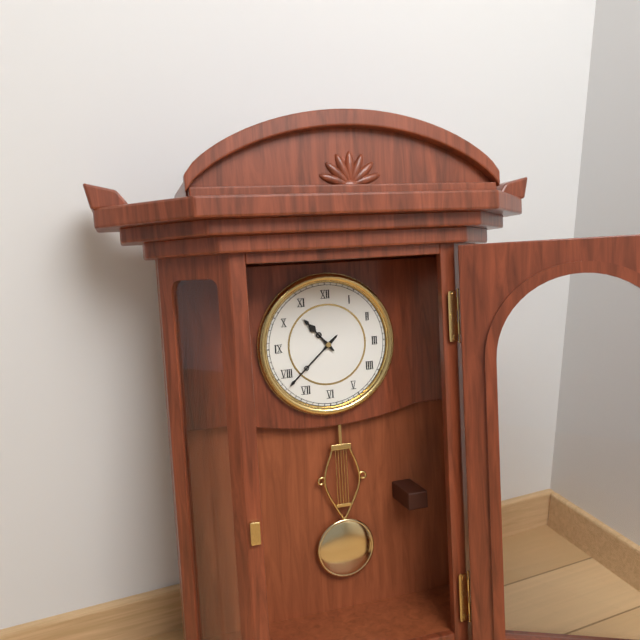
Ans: 10:38
